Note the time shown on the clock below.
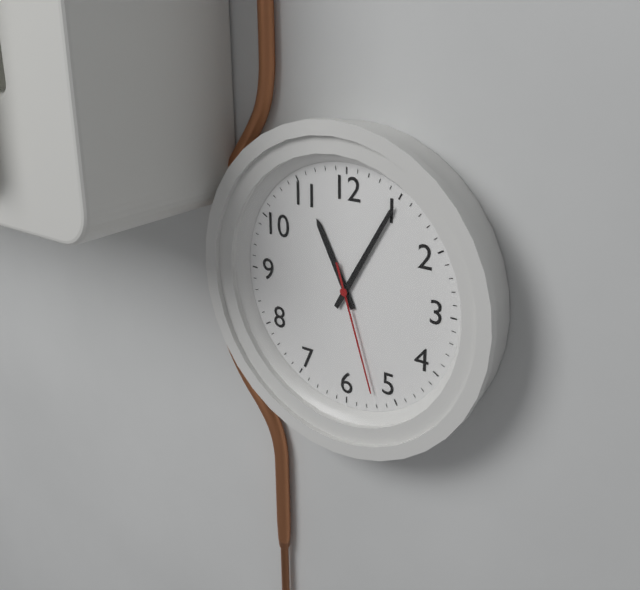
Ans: 11:05:27
